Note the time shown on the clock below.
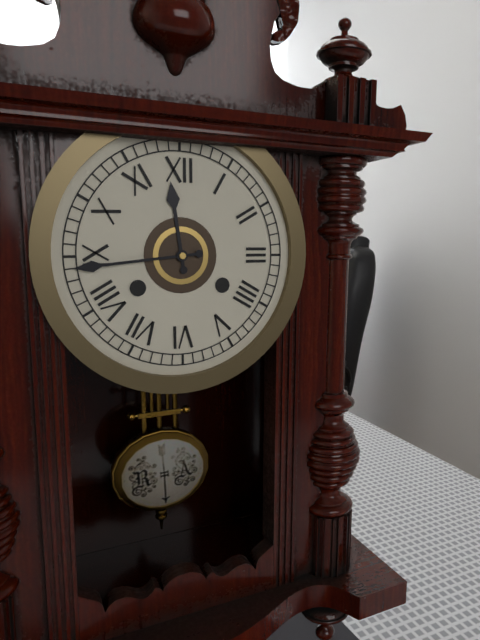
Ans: 11:44
